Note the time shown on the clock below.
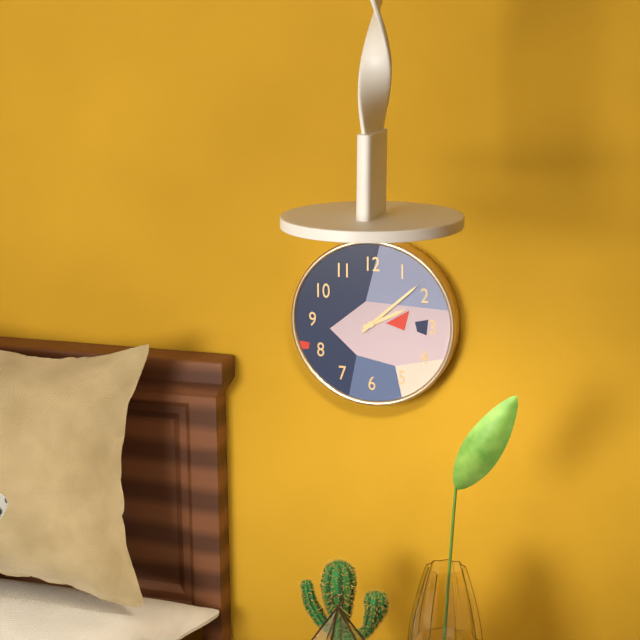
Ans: 2:08
